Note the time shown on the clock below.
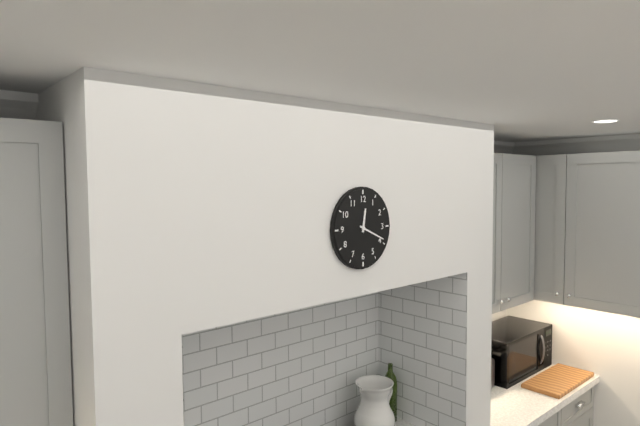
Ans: 12:19
